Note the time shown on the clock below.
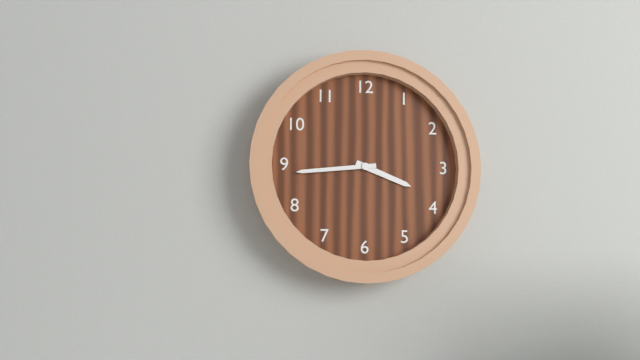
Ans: 3:44
